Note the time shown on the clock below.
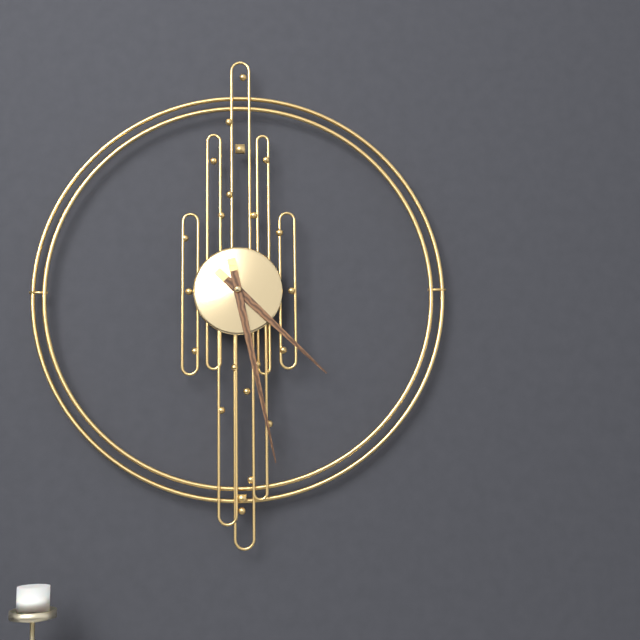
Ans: 4:28
